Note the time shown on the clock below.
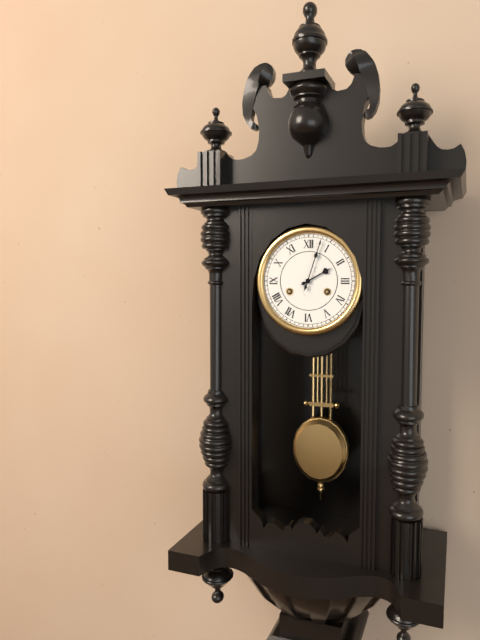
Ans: 2:03
